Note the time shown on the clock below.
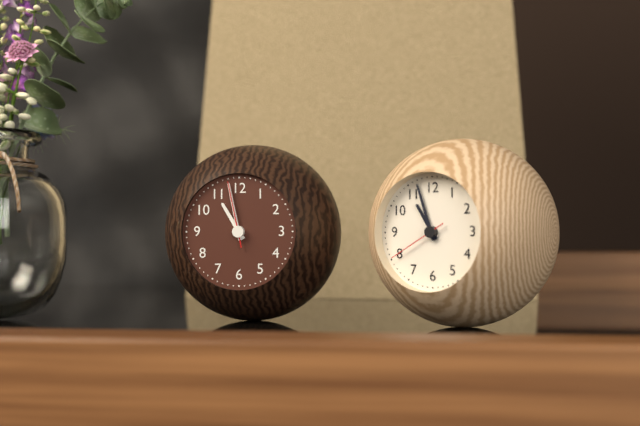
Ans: 10:58:58
